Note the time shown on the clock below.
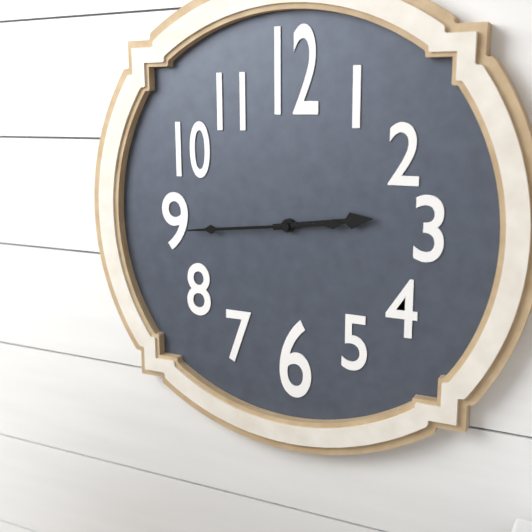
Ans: 2:44
